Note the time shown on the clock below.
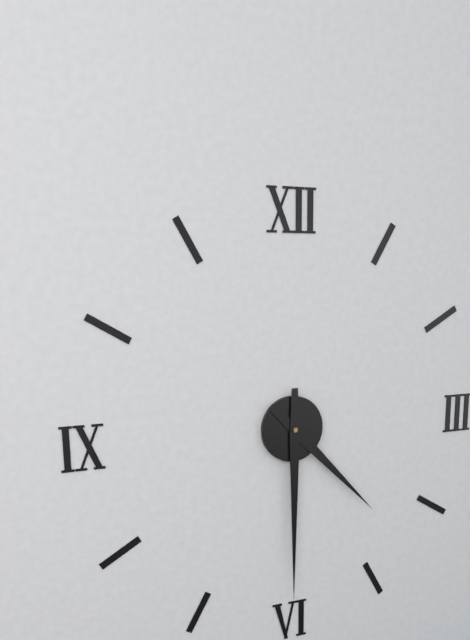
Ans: 4:30
